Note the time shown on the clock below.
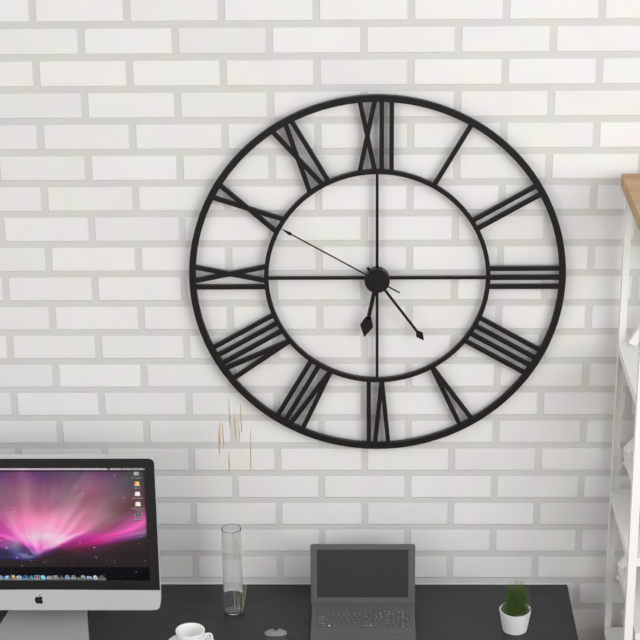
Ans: 6:24:50
